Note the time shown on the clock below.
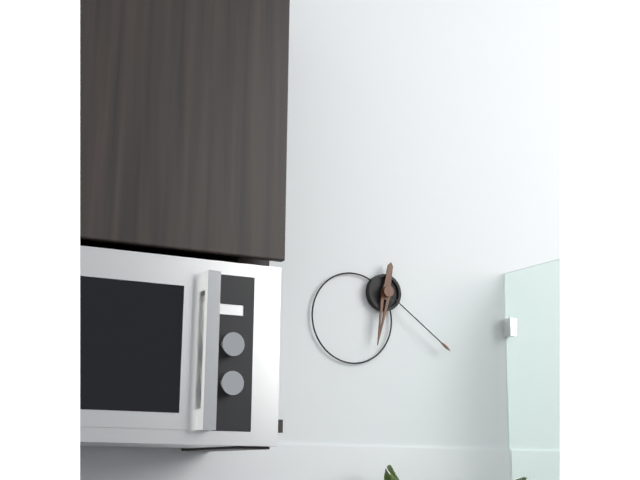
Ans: 6:21
